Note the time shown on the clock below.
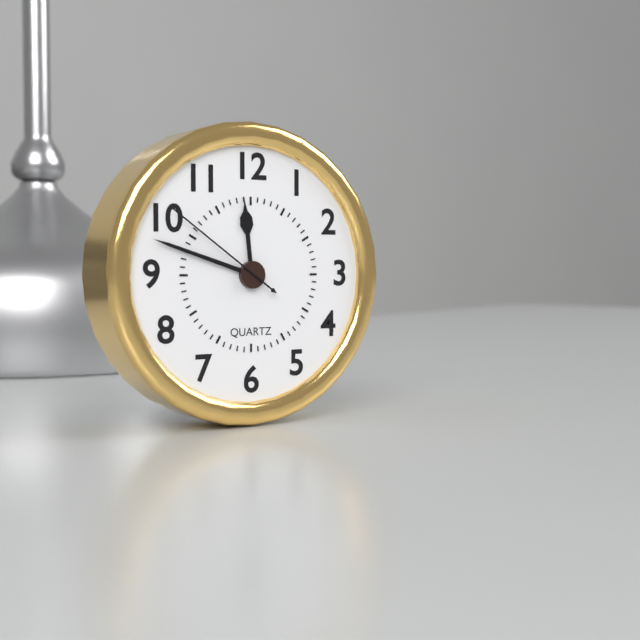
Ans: 11:48:51
